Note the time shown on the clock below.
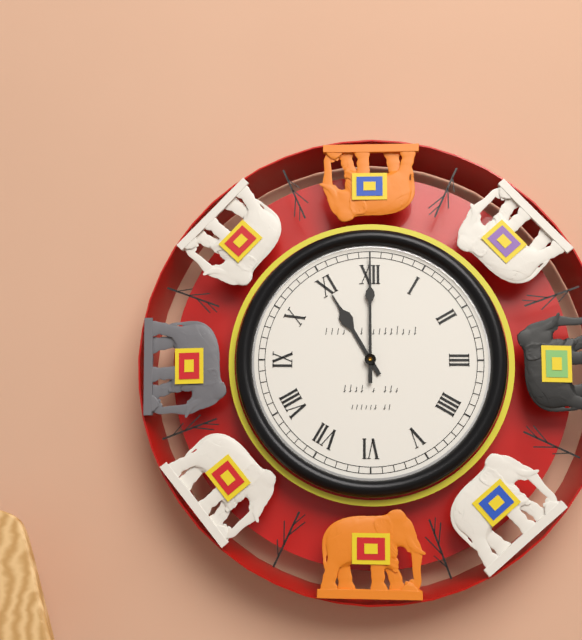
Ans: 11:00
